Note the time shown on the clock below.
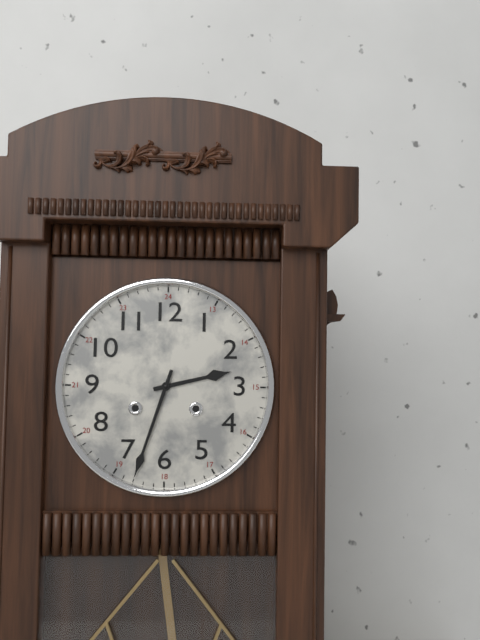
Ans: 2:33
